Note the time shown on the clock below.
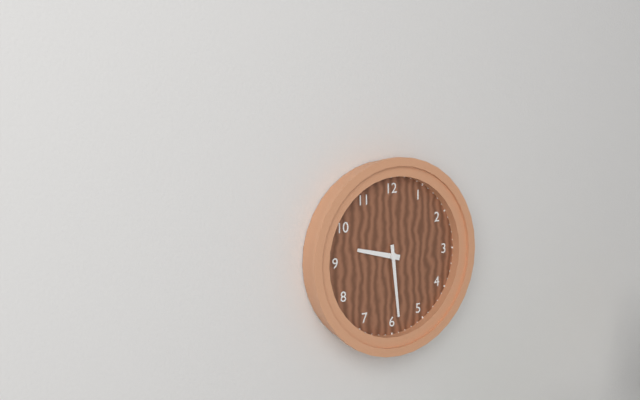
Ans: 9:29
